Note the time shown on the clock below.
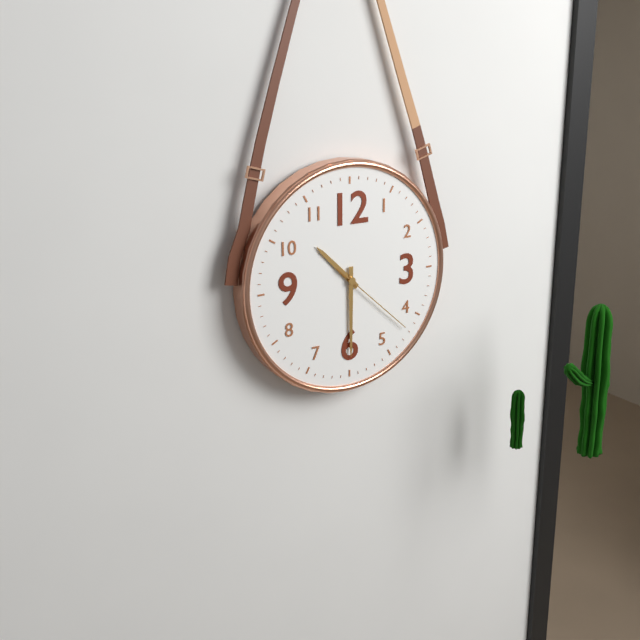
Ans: 10:30:22
